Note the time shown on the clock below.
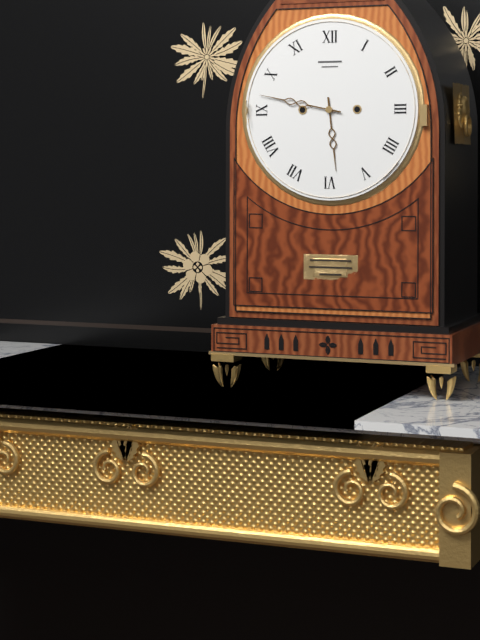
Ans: 5:47
